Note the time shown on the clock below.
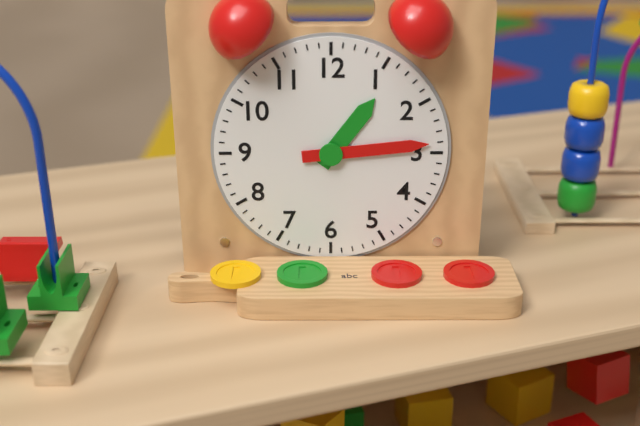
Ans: 1:14
